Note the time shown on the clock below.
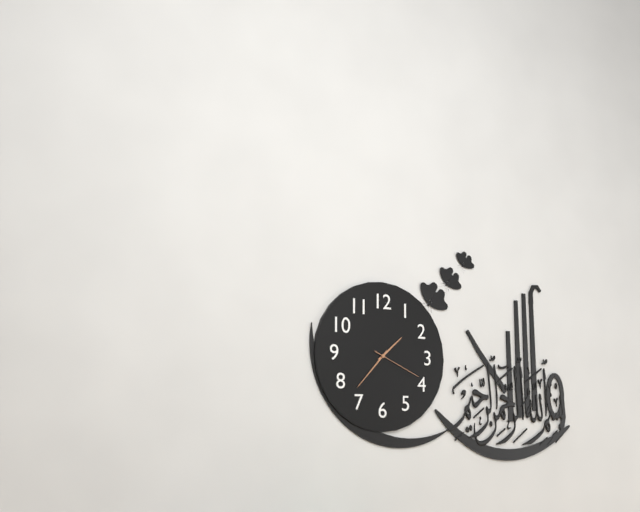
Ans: 1:37:19
